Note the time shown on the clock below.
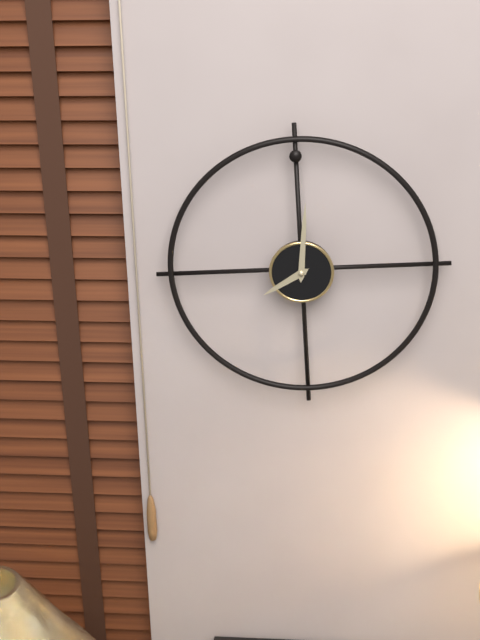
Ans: 8:01
